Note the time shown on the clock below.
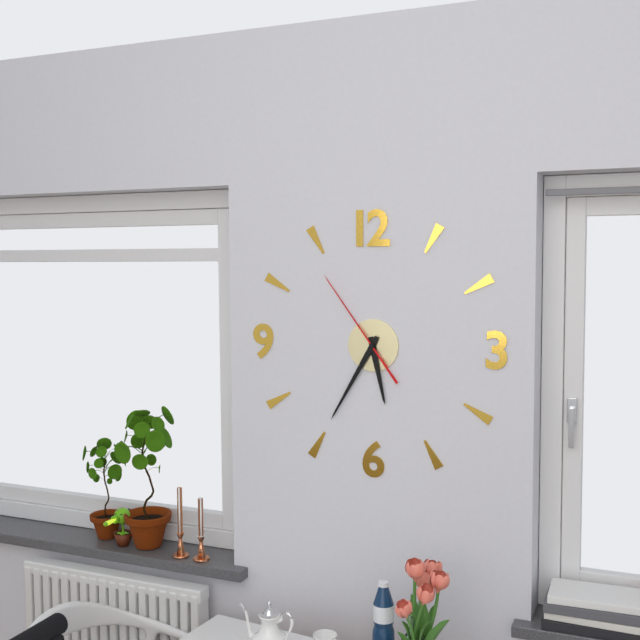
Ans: 5:35:54
